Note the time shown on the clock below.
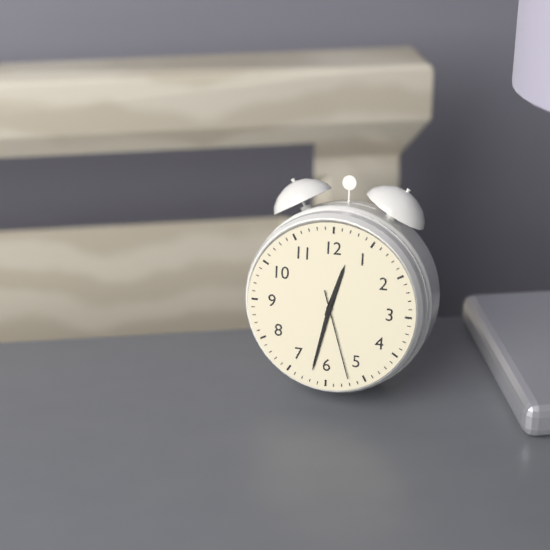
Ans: 12:32:27
